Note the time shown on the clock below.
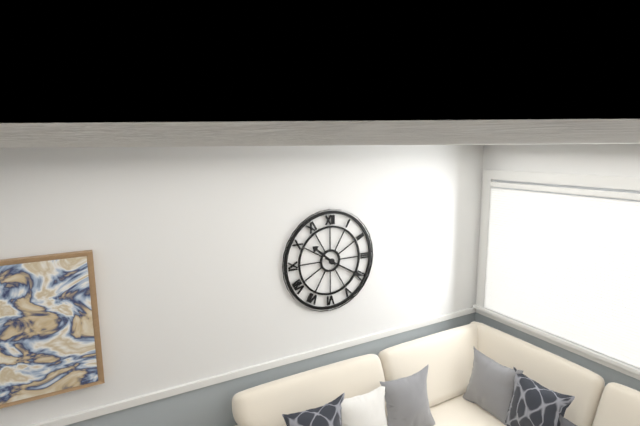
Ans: 10:20
